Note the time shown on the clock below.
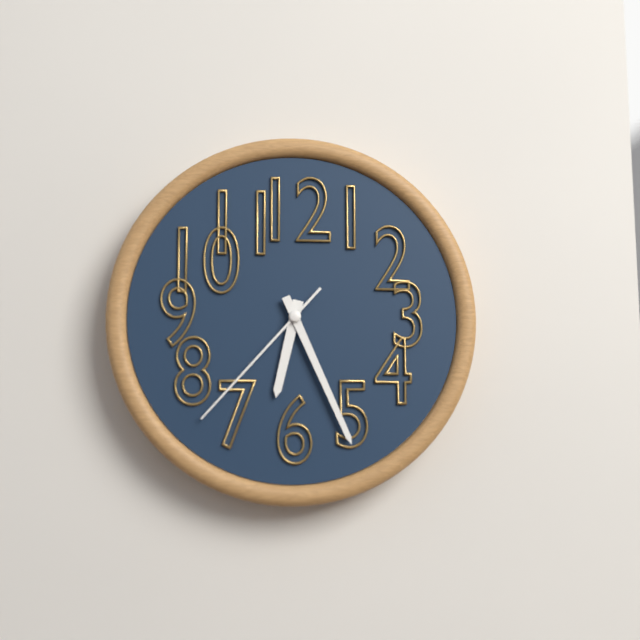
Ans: 6:26:37
